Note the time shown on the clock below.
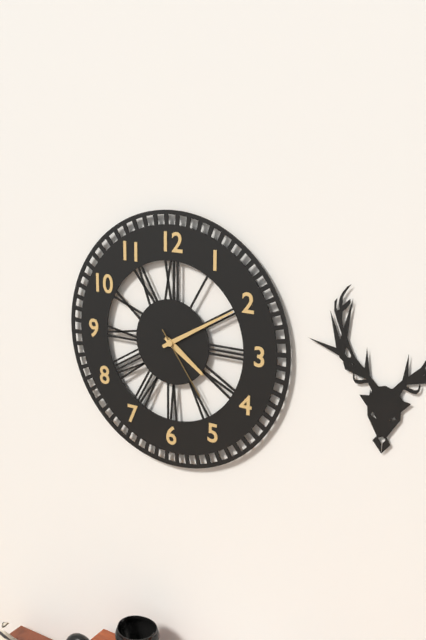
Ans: 4:10:24
